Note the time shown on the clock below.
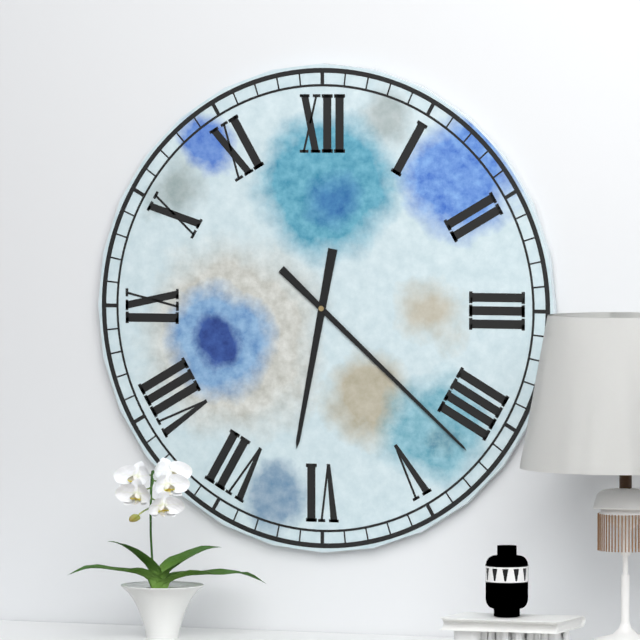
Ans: 6:22
